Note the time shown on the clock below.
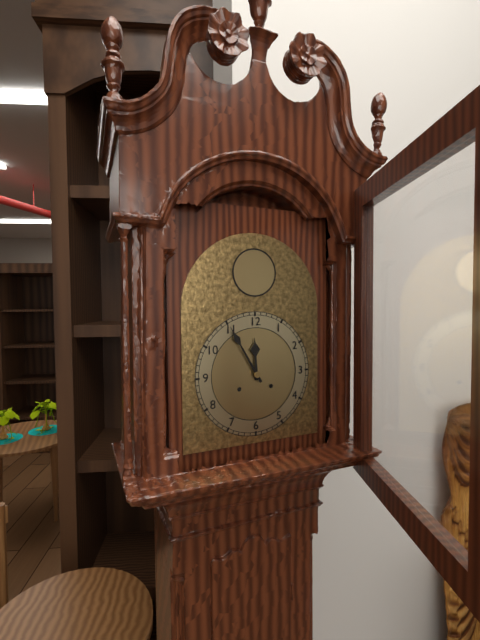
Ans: 11:55
